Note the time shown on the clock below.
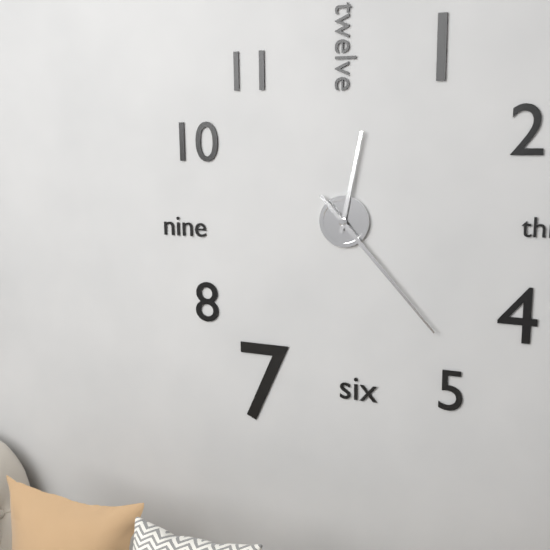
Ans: 12:23
